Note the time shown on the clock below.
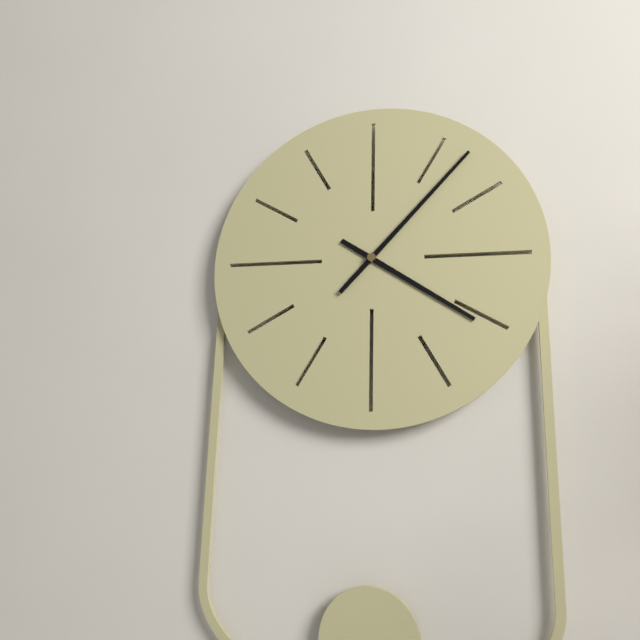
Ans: 4:07
